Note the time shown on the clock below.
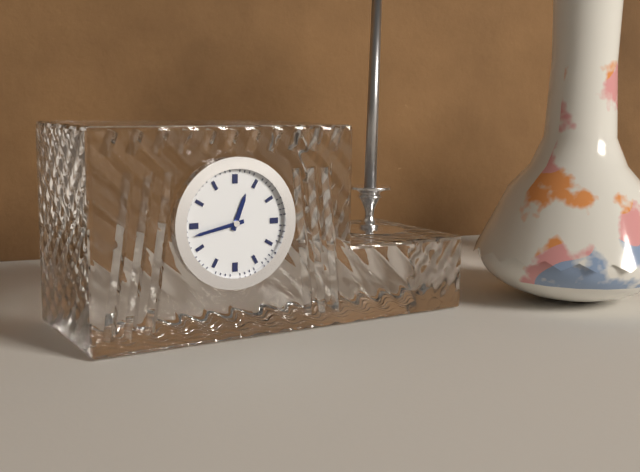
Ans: 12:43
